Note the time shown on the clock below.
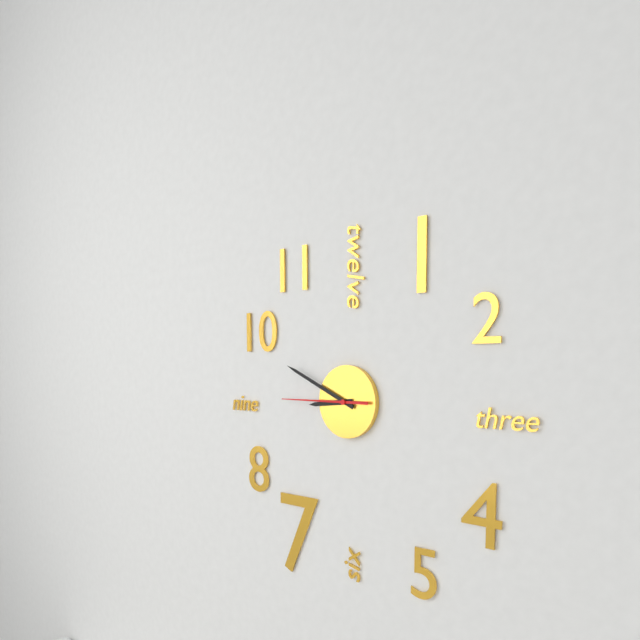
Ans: 8:49:45
